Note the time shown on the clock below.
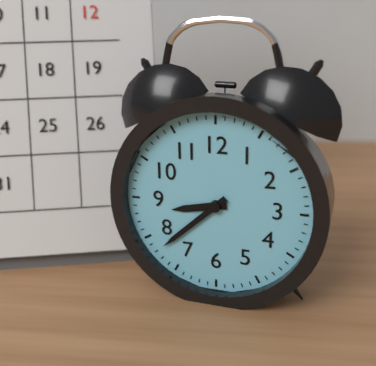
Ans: 8:38
